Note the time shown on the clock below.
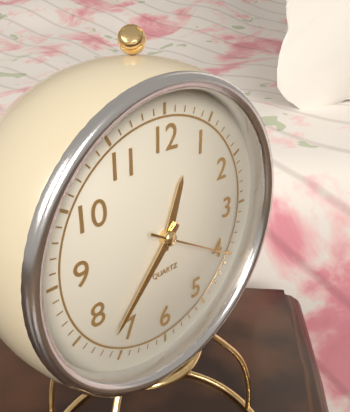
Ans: 12:37:20
